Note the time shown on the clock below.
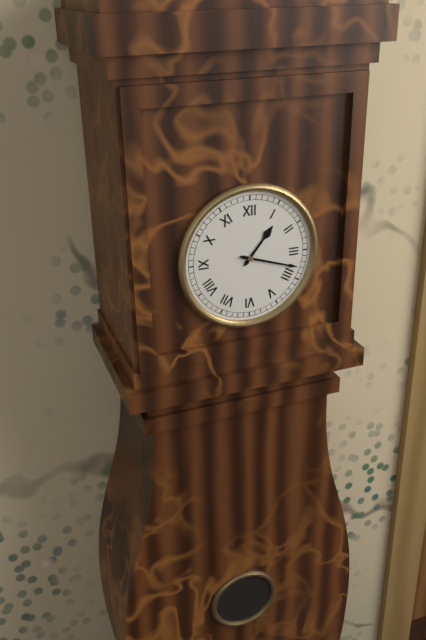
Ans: 1:18
